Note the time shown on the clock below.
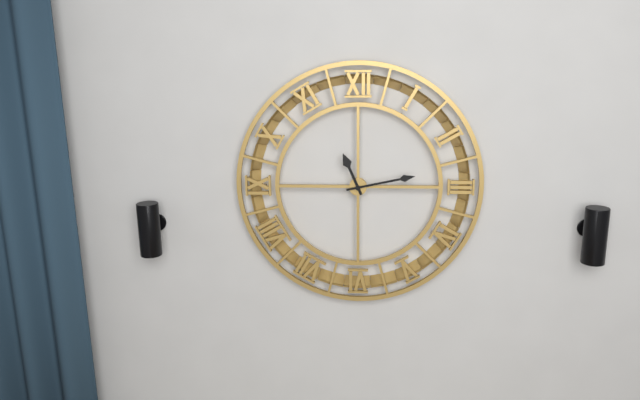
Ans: 11:13
